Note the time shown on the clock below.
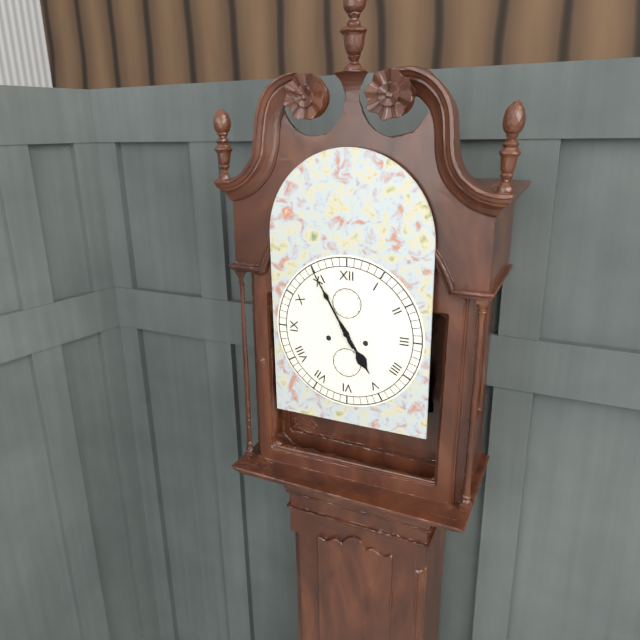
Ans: 4:55
